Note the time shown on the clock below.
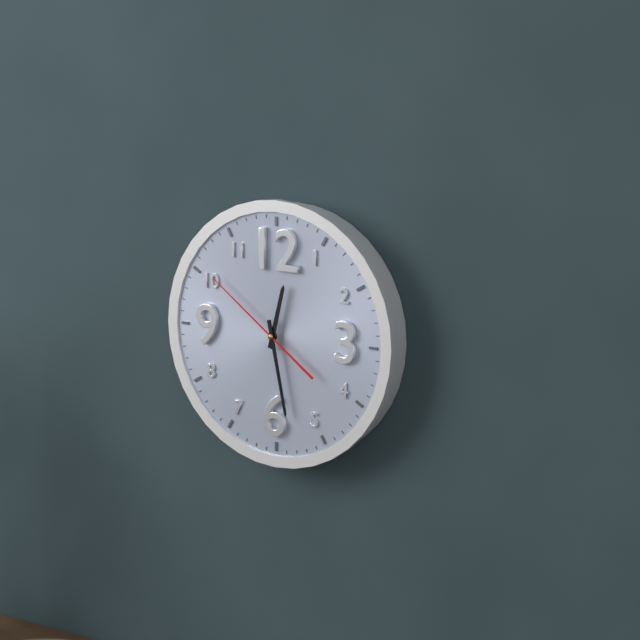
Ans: 12:28:51
